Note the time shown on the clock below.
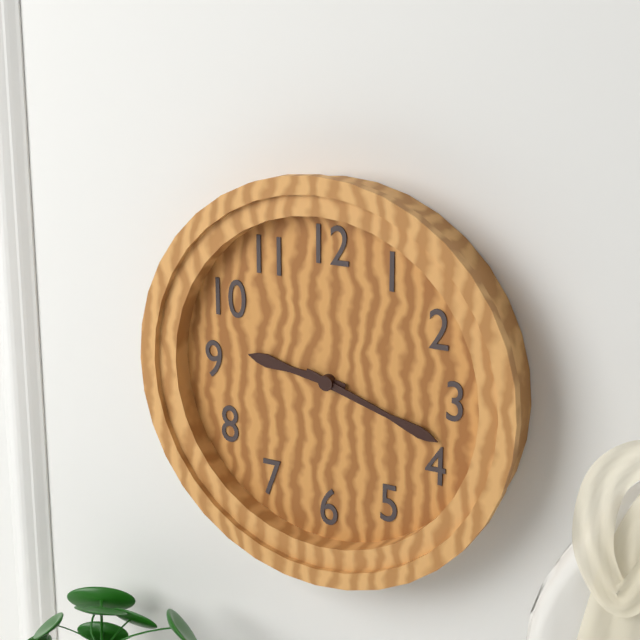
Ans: 9:18
